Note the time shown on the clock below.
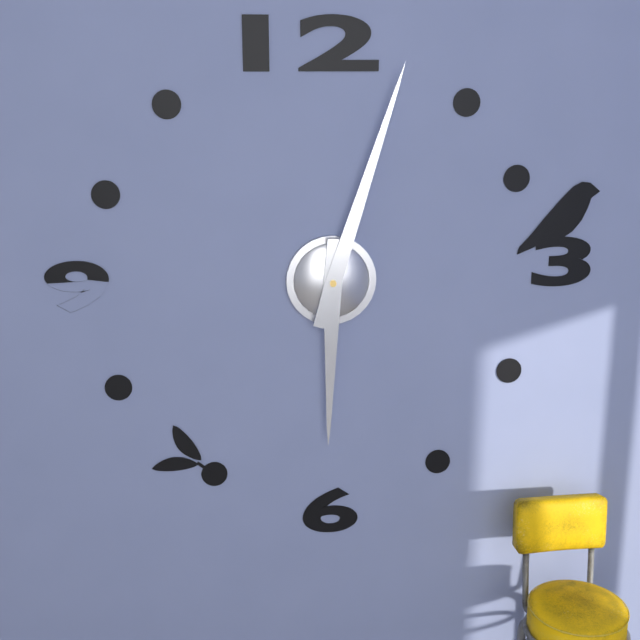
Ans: 6:03
